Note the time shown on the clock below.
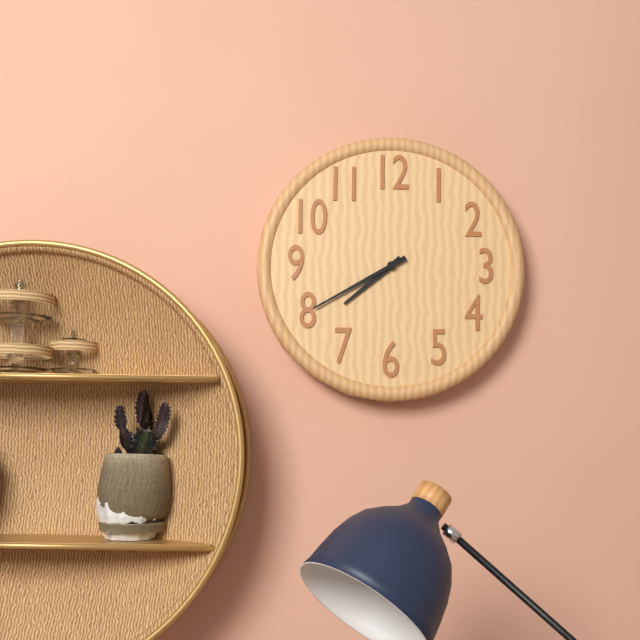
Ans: 7:40
